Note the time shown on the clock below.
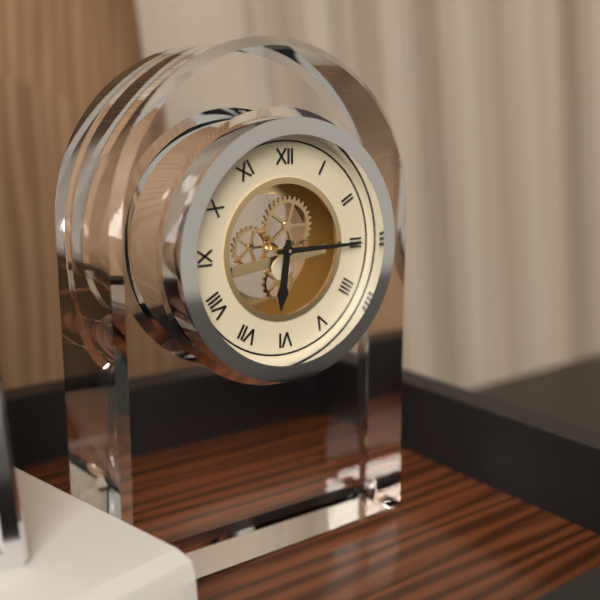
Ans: 6:15
